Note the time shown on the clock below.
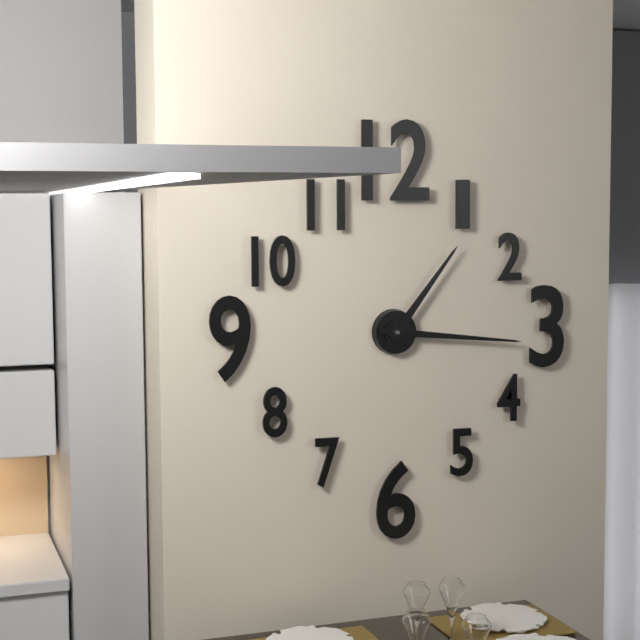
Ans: 1:16
